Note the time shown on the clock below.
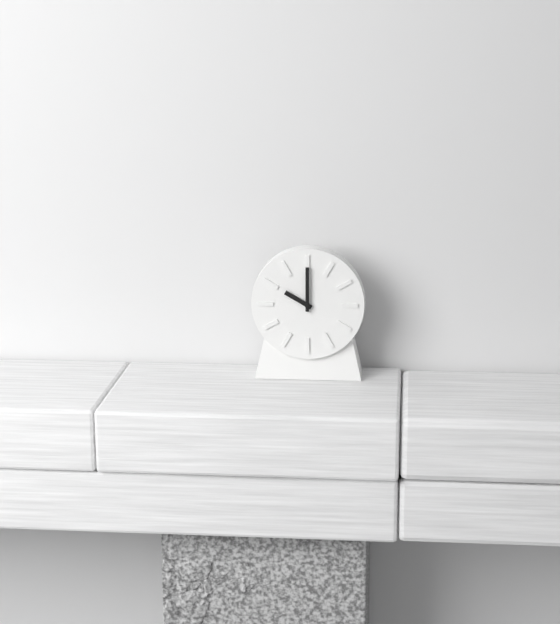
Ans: 10:00
